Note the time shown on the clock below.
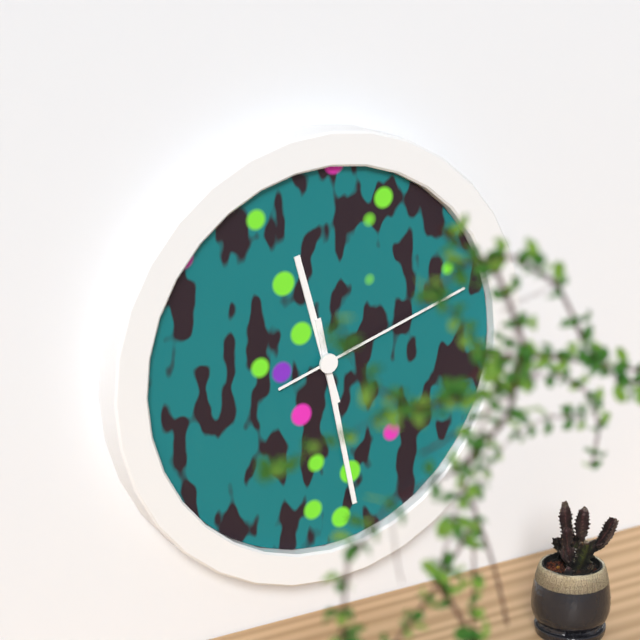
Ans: 11:28:12
